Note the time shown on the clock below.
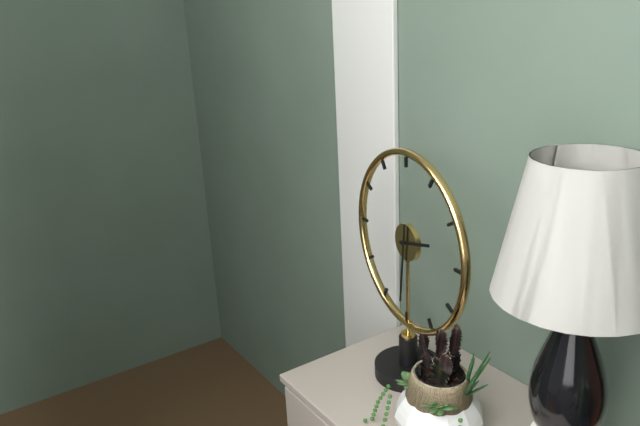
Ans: 2:31
